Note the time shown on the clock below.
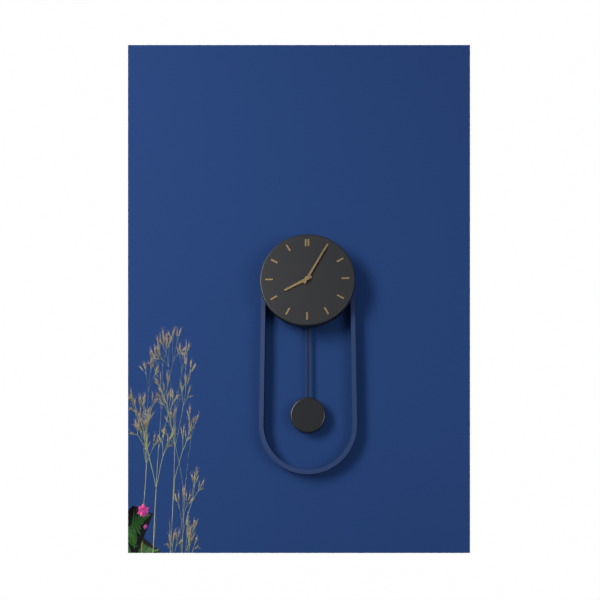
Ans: 8:05
